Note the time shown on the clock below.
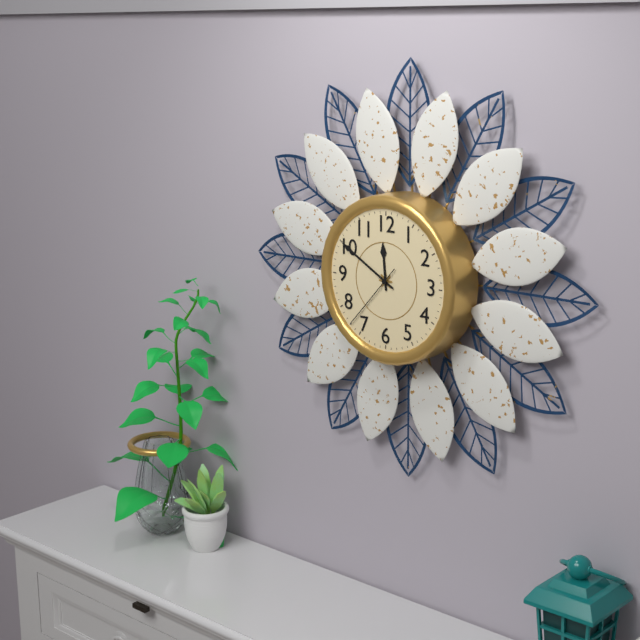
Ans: 11:50:37
